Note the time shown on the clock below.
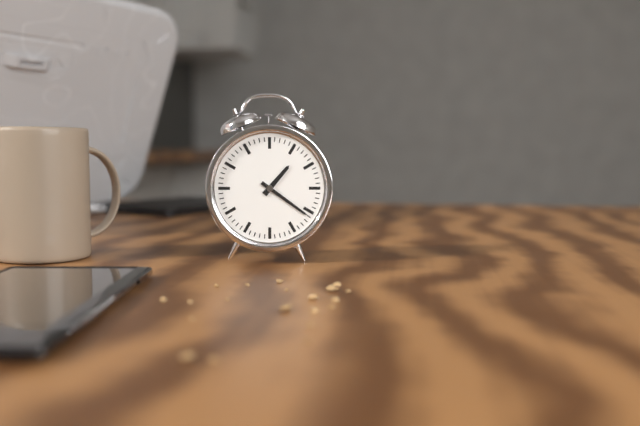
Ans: 1:21
